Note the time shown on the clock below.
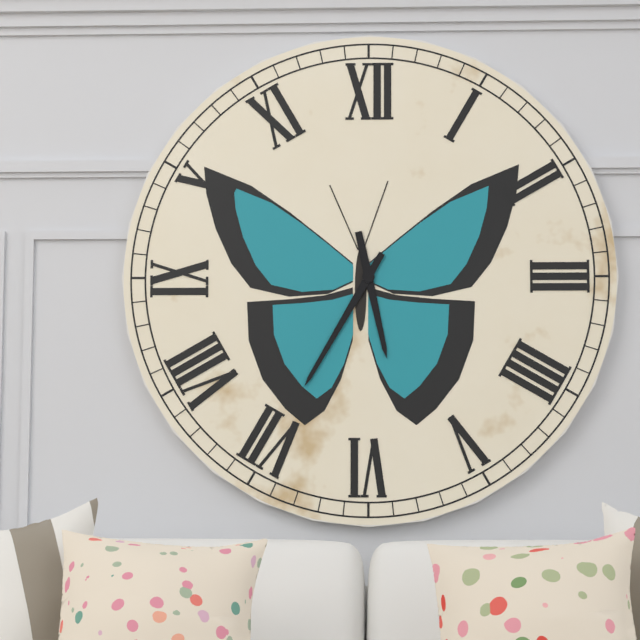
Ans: 5:35
